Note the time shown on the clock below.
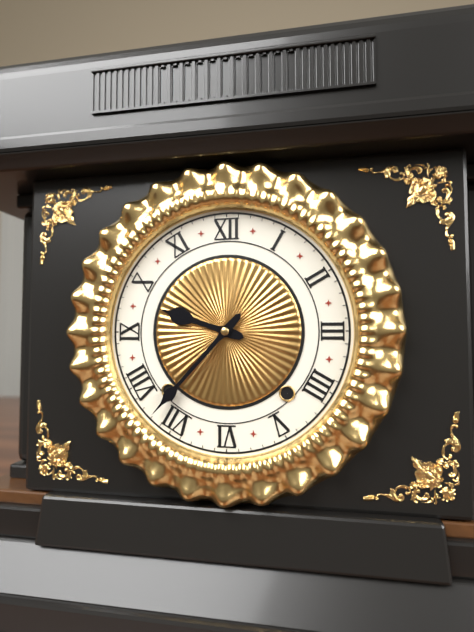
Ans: 9:37
